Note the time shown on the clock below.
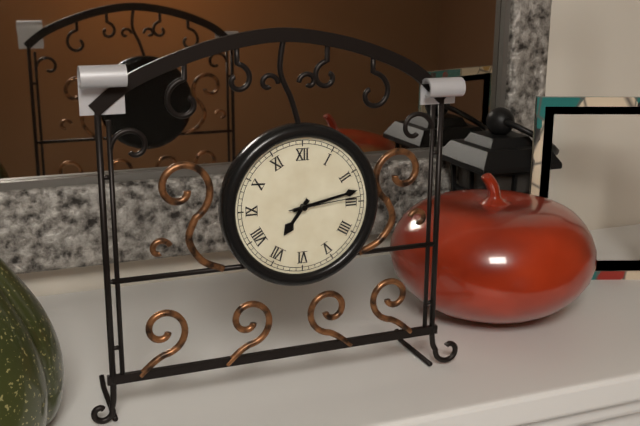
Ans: 7:13:14
